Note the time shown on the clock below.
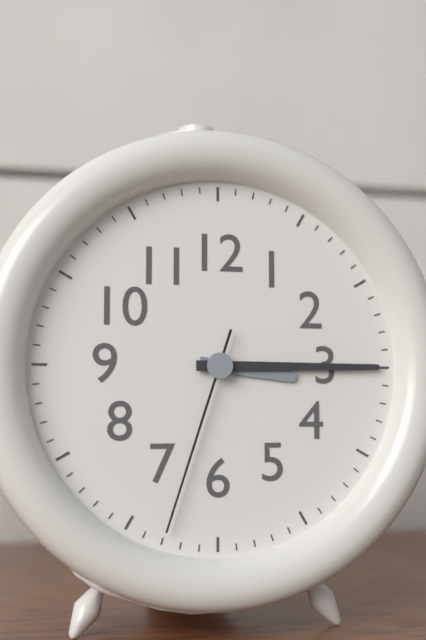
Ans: 3:15:33
